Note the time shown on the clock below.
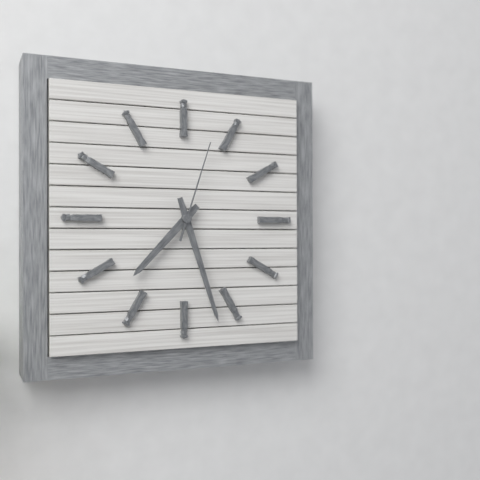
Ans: 7:27:03
